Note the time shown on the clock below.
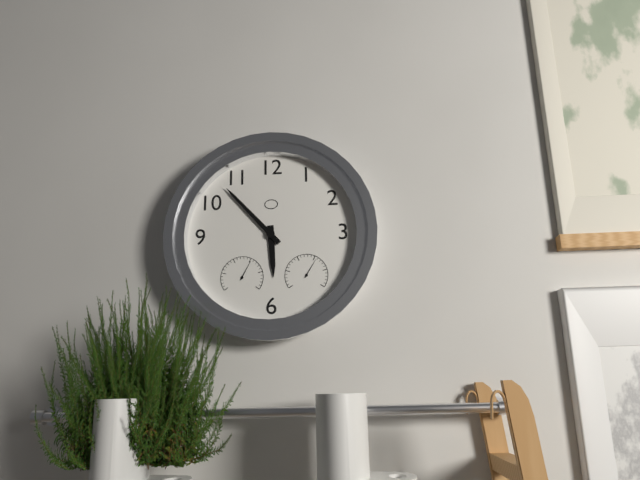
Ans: 5:53
